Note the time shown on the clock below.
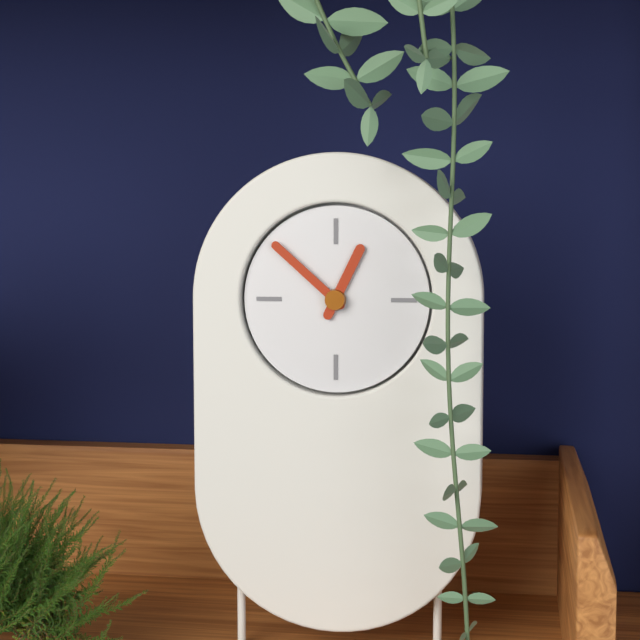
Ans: 12:52
